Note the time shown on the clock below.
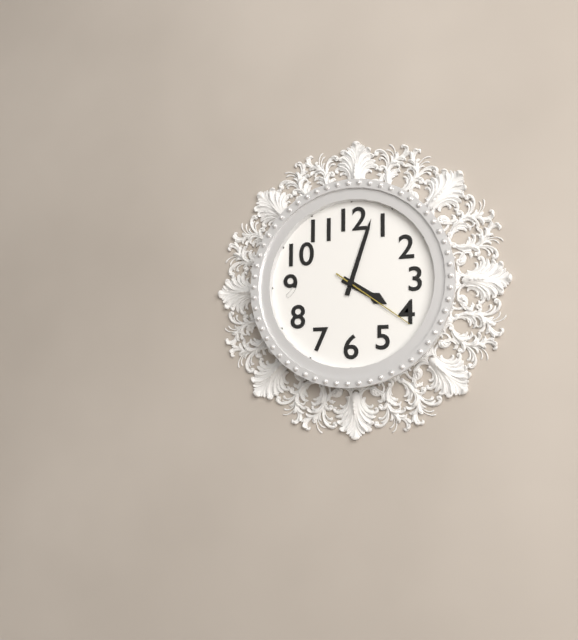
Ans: 4:03:21
